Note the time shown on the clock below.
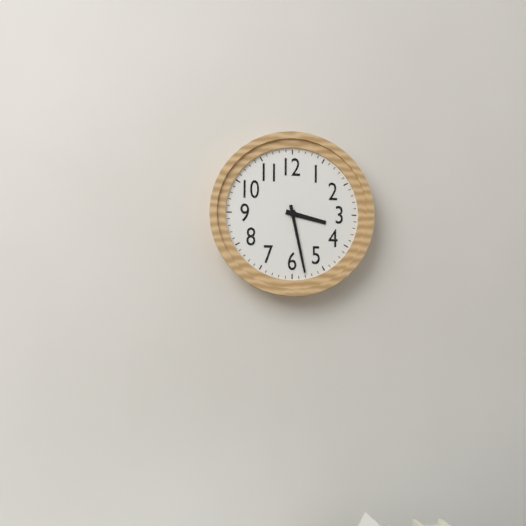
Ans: 3:28
